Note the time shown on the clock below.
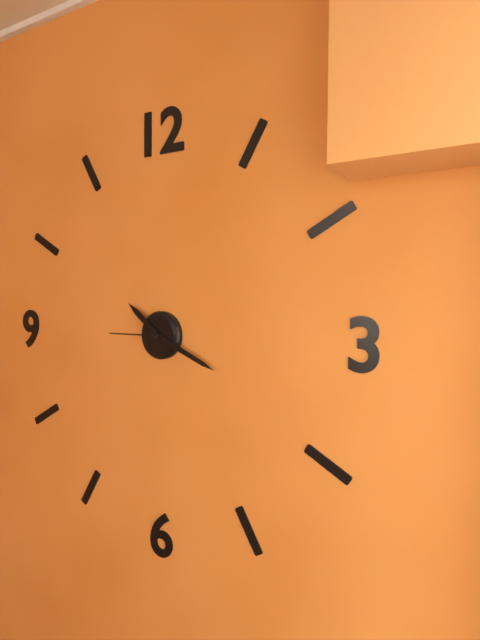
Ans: 10:19:45
